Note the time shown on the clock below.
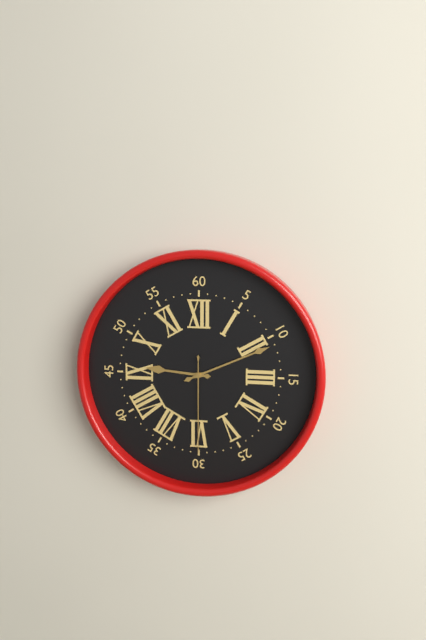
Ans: 9:11:30
